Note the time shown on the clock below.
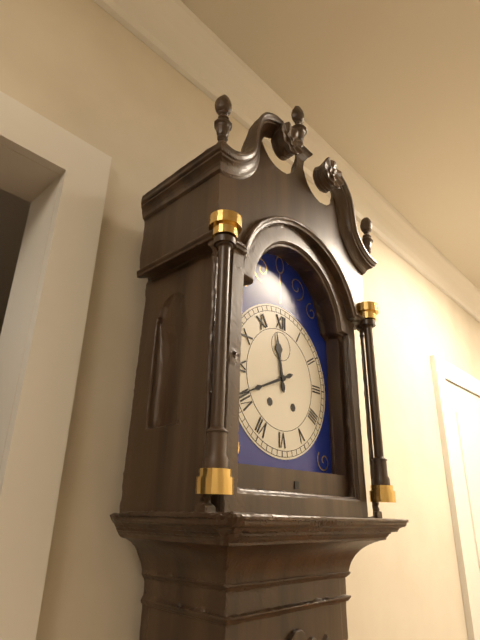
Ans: 11:41
